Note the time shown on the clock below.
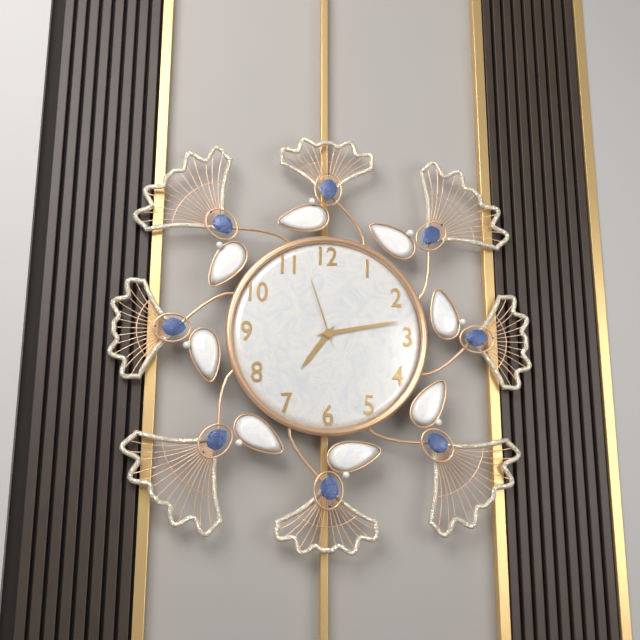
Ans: 7:13:57
